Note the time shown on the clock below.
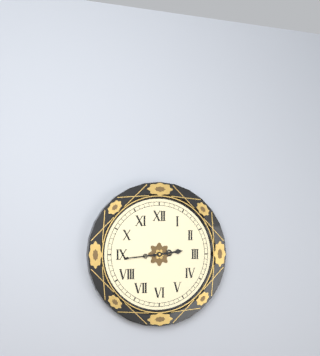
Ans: 2:44
